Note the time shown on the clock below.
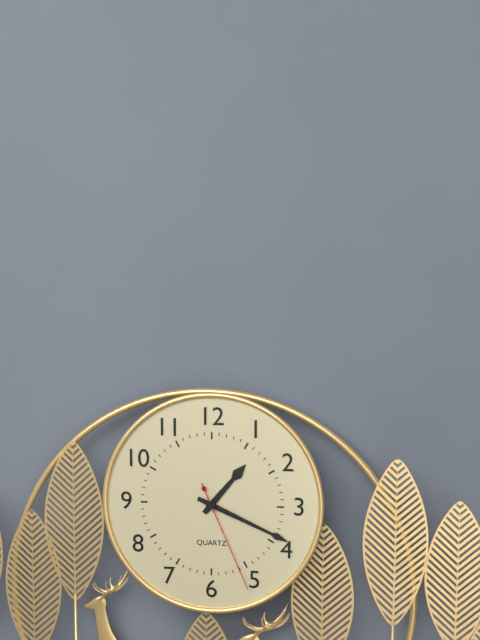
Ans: 1:19:26
